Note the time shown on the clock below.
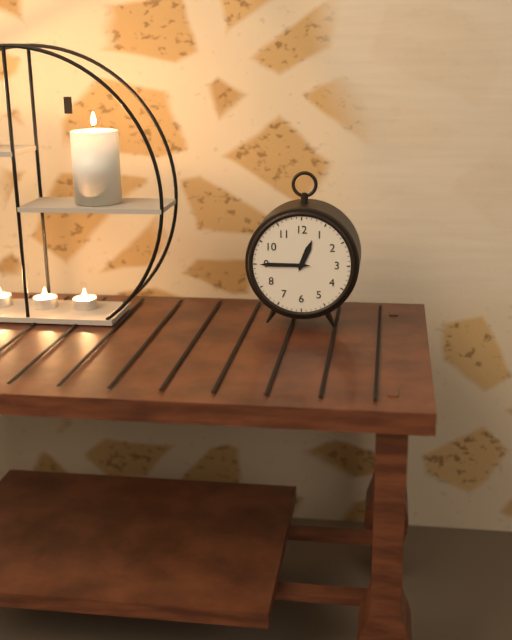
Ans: 12:45
